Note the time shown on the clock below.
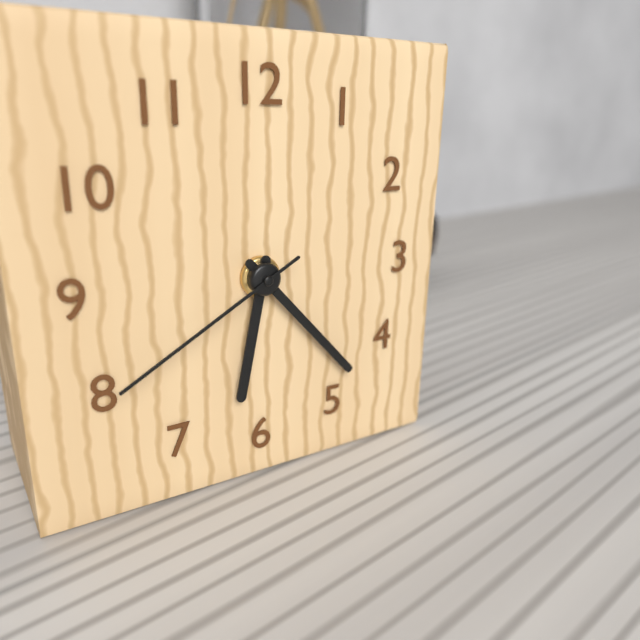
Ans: 6:23:40
